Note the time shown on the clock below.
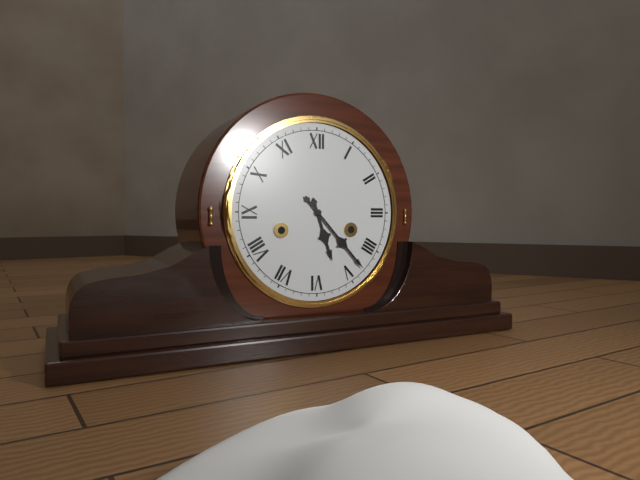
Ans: 5:23
